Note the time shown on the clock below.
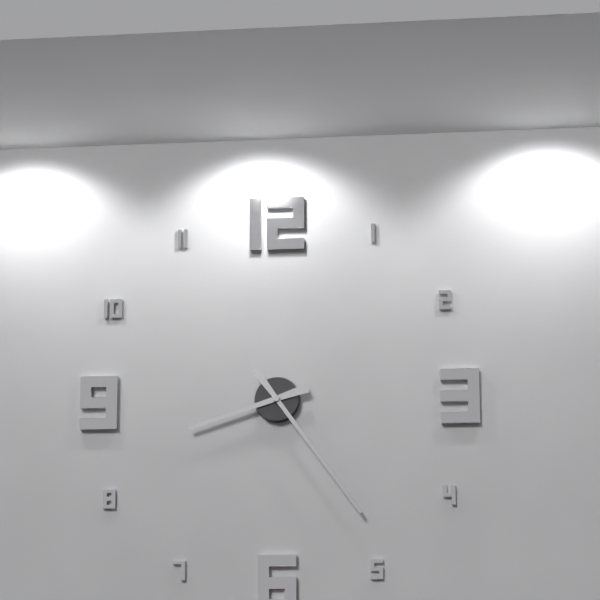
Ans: 8:24
